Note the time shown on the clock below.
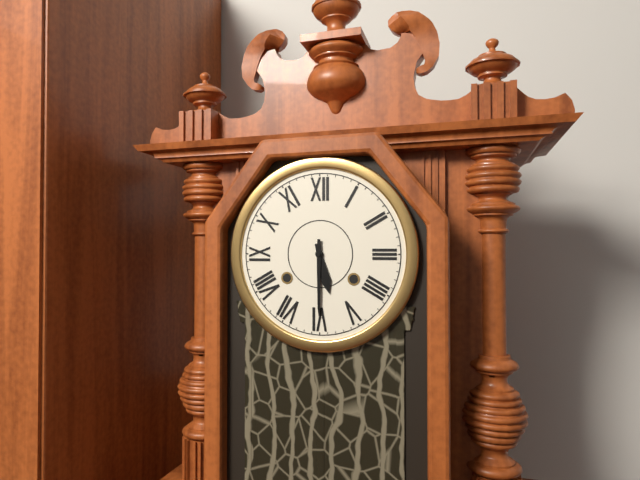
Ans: 5:30
